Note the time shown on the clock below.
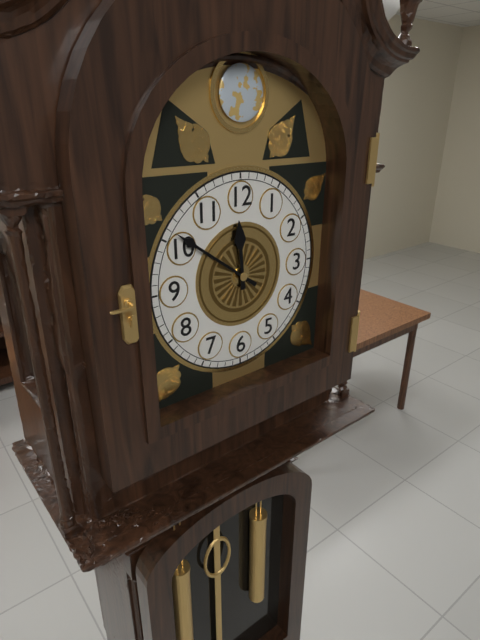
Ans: 11:51
